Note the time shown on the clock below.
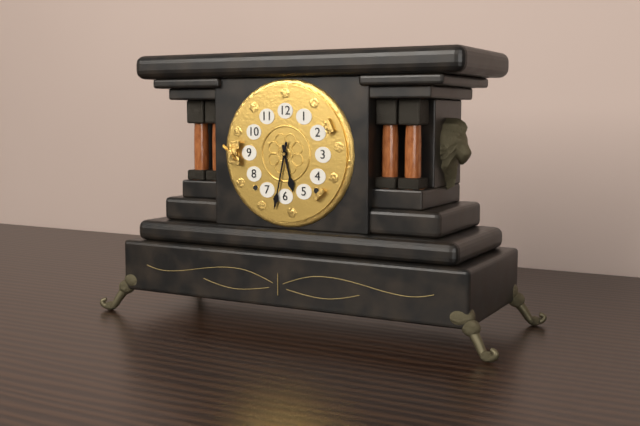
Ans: 5:32
